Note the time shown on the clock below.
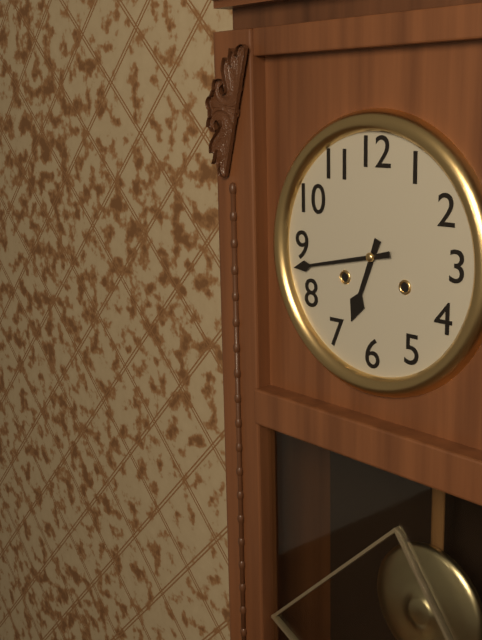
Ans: 6:43
